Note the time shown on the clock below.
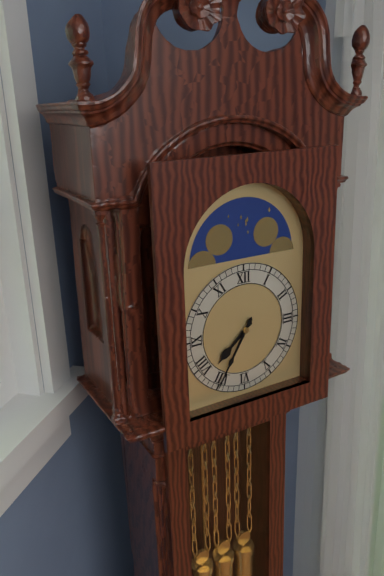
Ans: 7:35
